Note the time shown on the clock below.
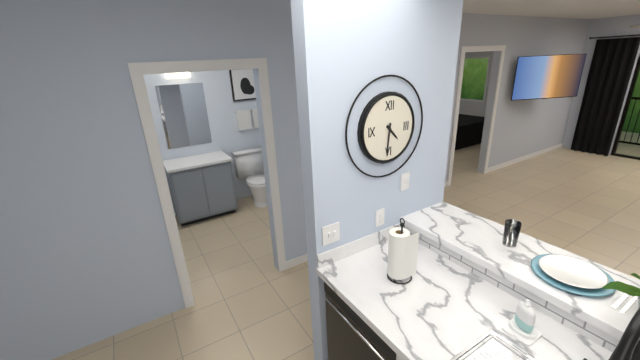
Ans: 4:31
